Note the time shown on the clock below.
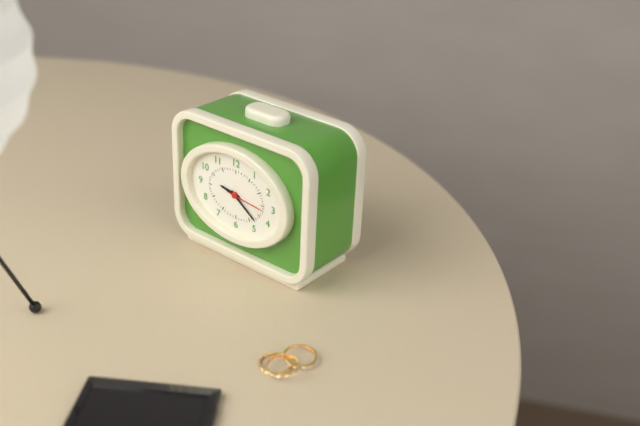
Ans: 9:21
